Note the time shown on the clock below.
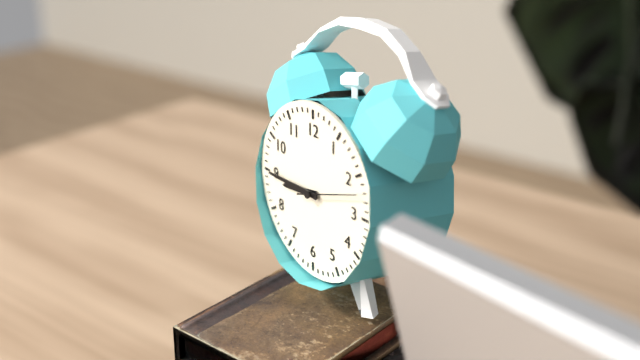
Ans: 8:45:12
